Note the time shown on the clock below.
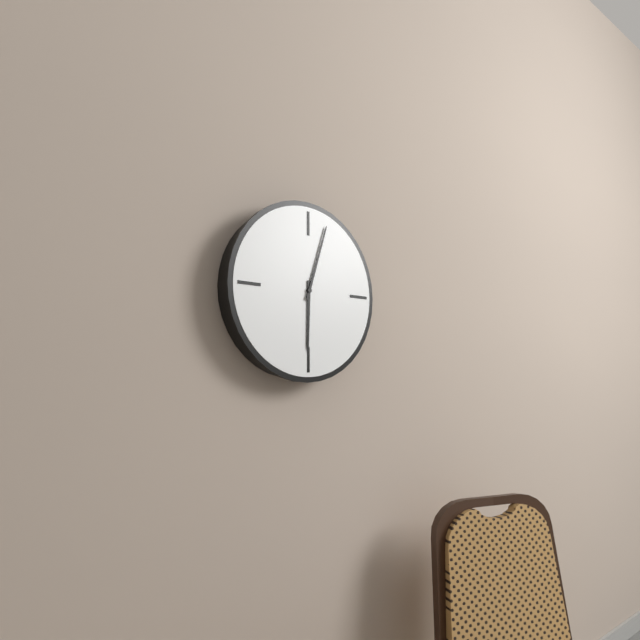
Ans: 6:03
